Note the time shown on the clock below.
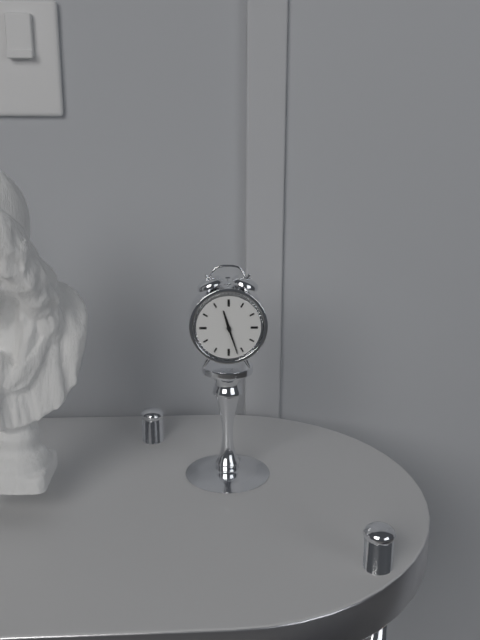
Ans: 11:27
